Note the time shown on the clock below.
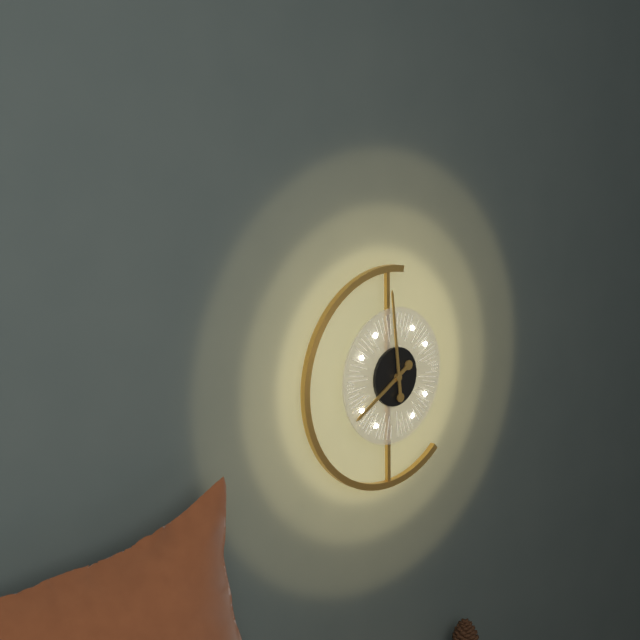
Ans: 7:59
